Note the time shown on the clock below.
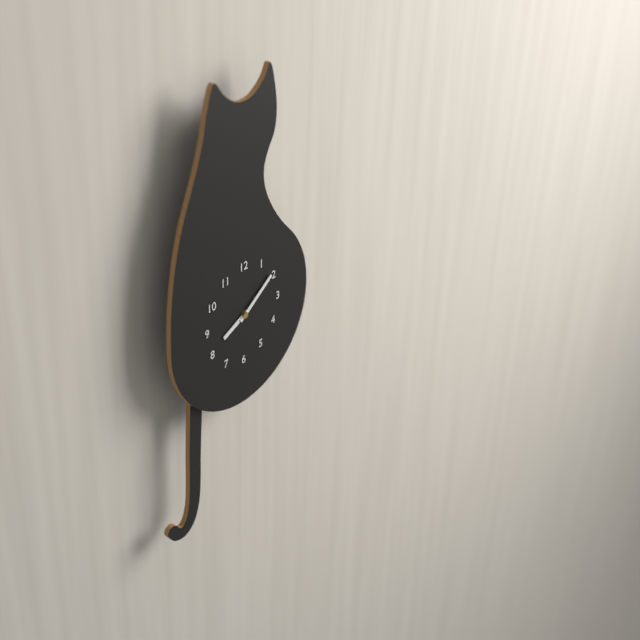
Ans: 8:09
